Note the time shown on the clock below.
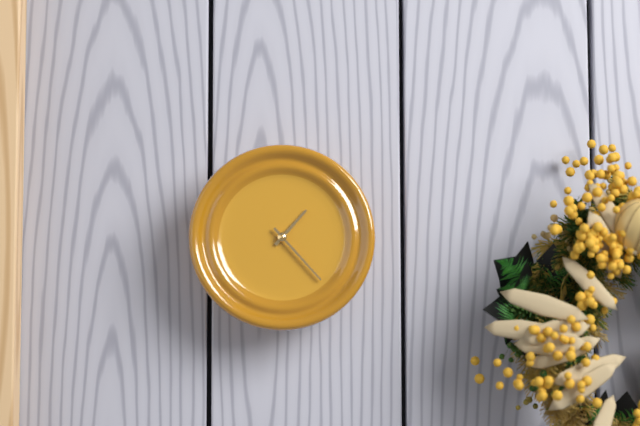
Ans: 1:23
